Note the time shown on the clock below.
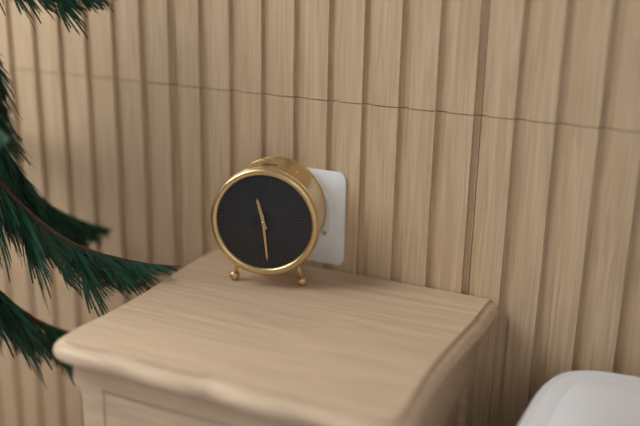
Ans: 11:29
